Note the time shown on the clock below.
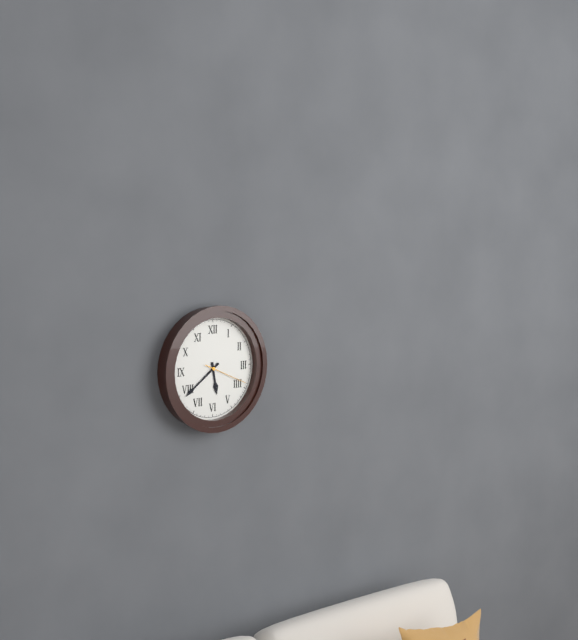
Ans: 5:39
